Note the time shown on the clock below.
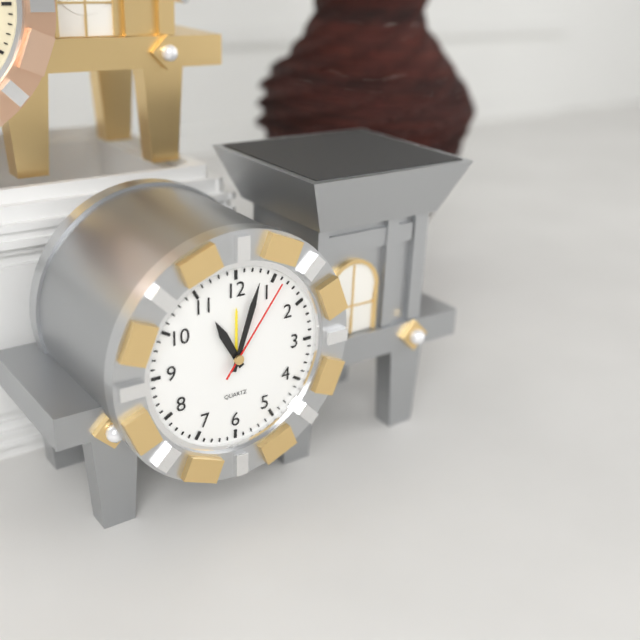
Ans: 11:03:06
